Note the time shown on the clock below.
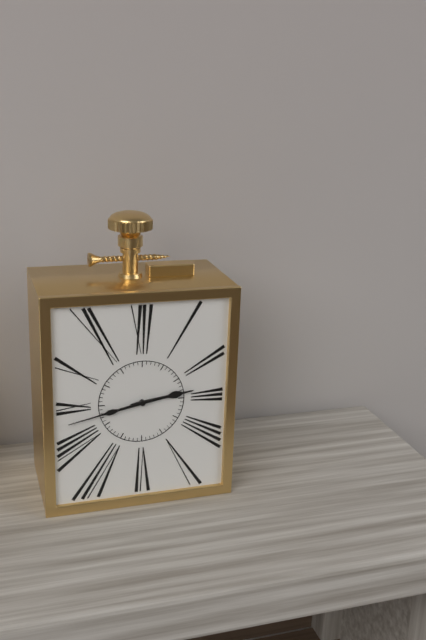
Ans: 2:43
